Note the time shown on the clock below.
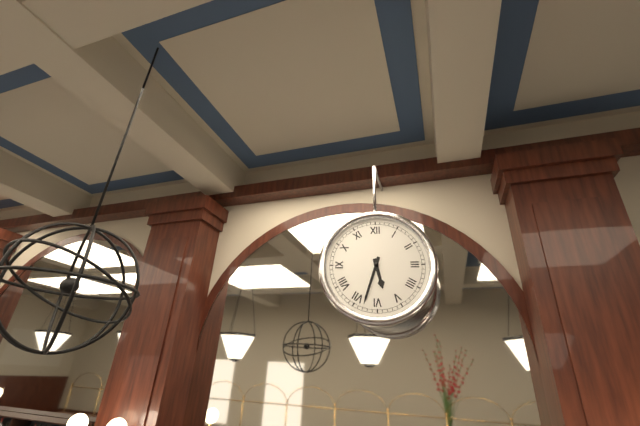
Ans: 5:33
